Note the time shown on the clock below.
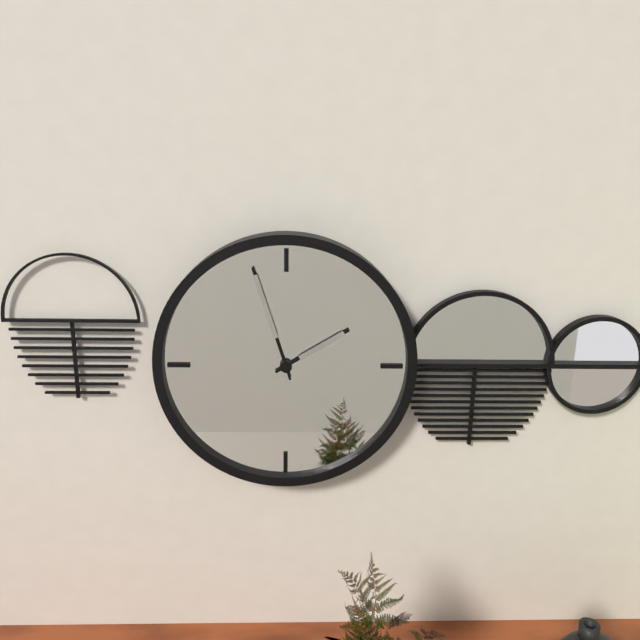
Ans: 1:57
